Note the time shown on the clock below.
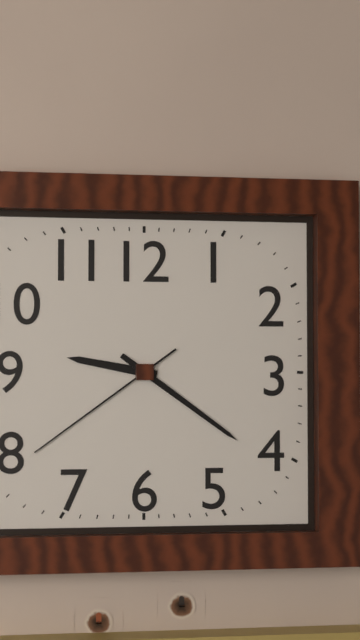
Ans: 9:21:39
